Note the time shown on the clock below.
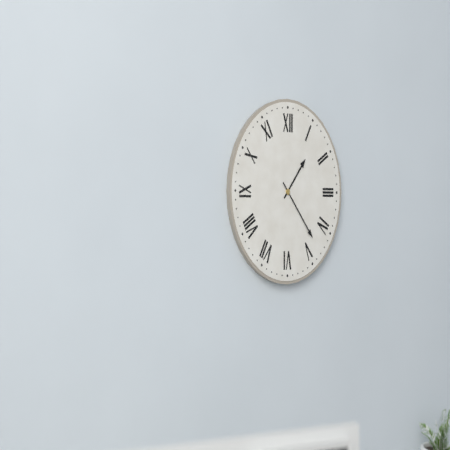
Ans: 1:23
